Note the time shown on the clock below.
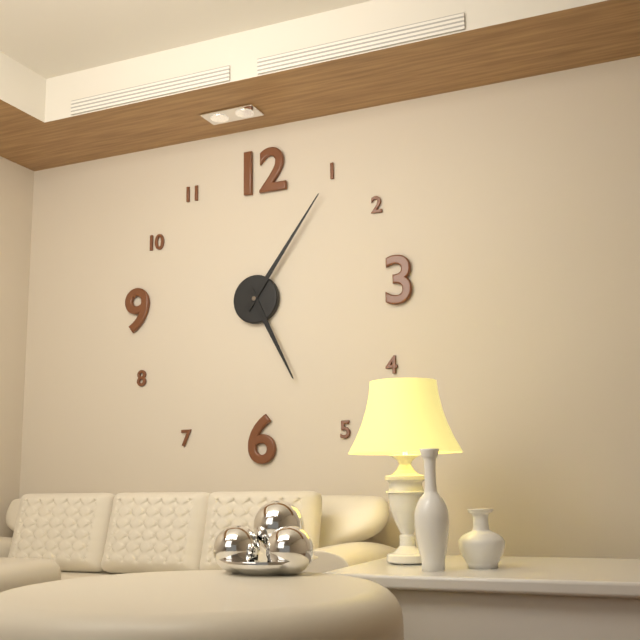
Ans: 5:06
